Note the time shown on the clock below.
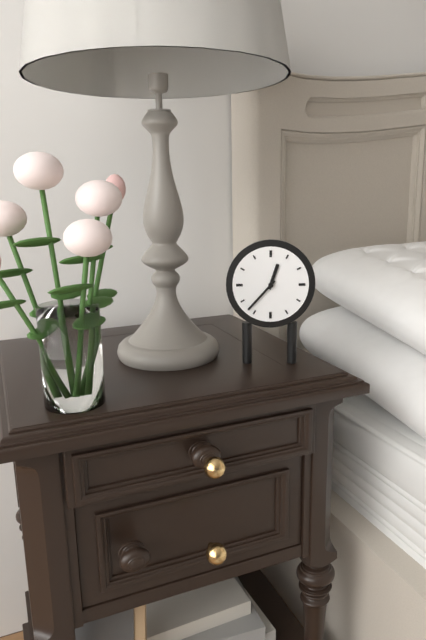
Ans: 12:37
